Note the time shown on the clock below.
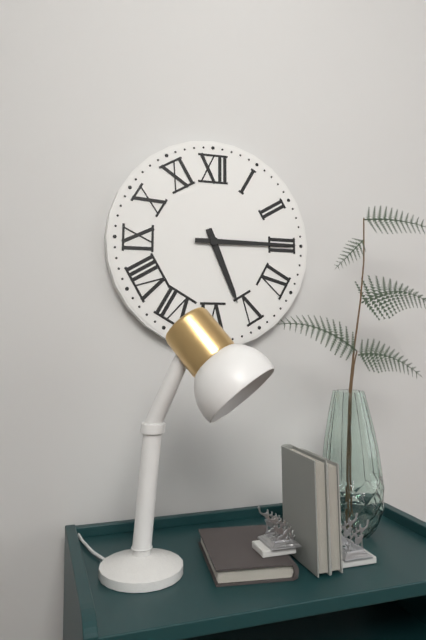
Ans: 5:15
